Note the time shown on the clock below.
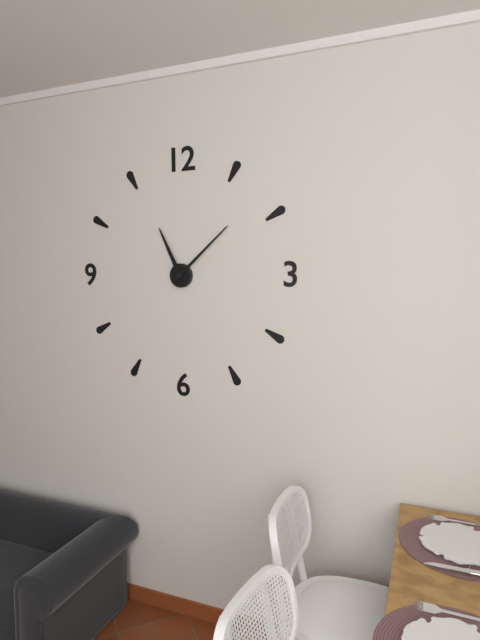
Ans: 11:08
